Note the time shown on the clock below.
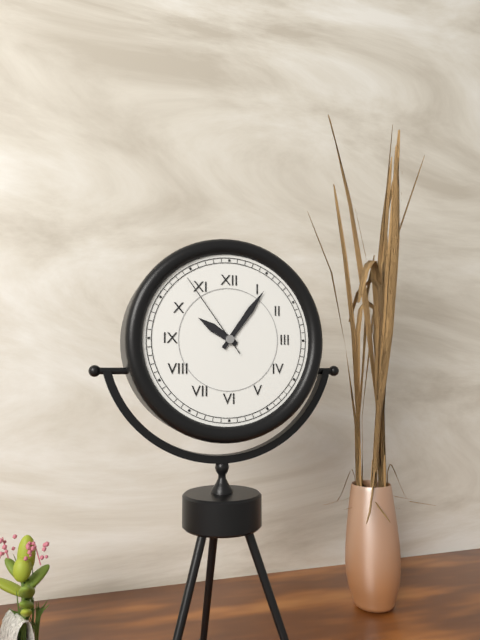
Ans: 10:06:54
